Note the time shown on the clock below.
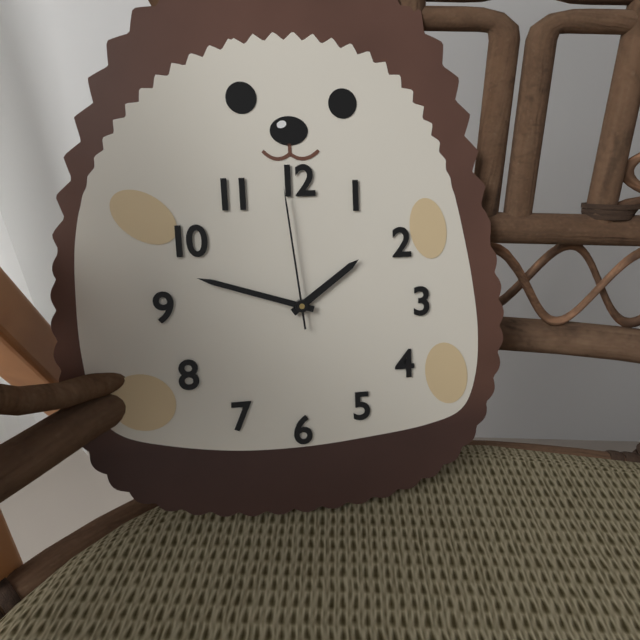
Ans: 1:48:59
